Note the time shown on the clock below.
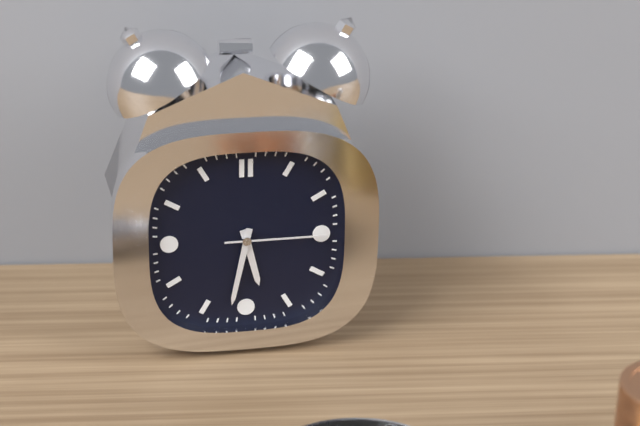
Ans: 5:32:15
